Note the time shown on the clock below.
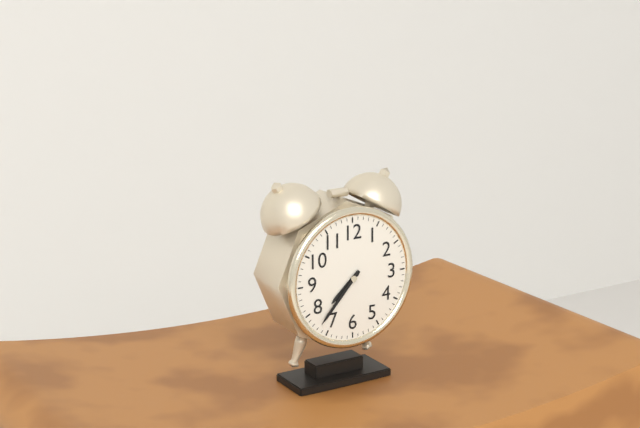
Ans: 7:37
